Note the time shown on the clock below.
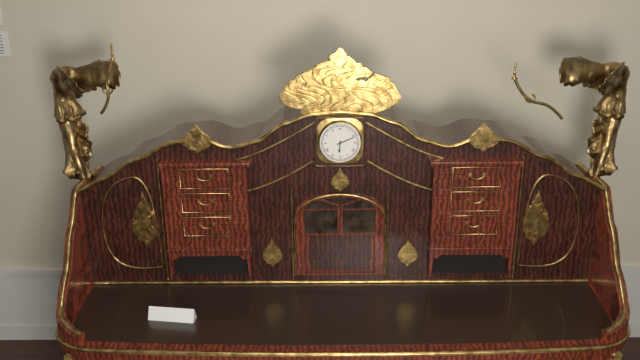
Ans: 6:11
